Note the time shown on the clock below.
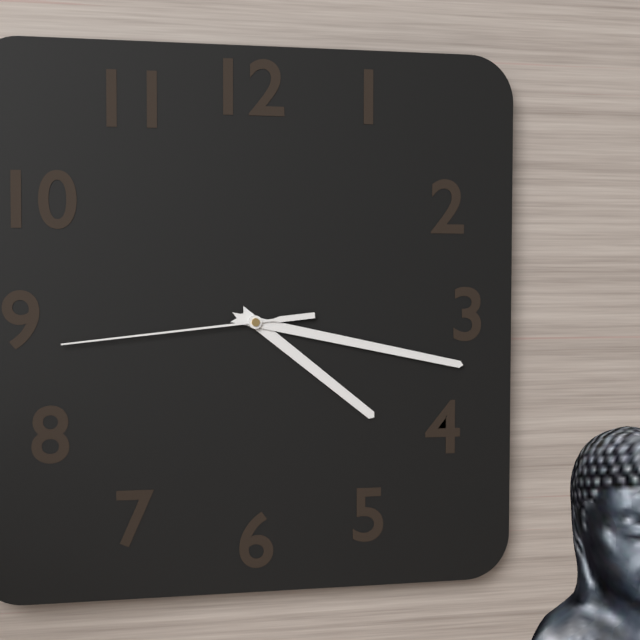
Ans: 4:17:44
